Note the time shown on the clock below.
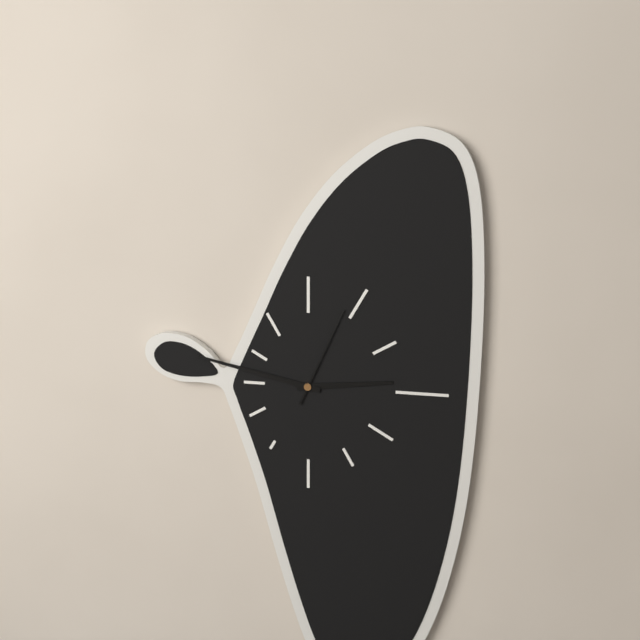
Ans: 2:47:04
